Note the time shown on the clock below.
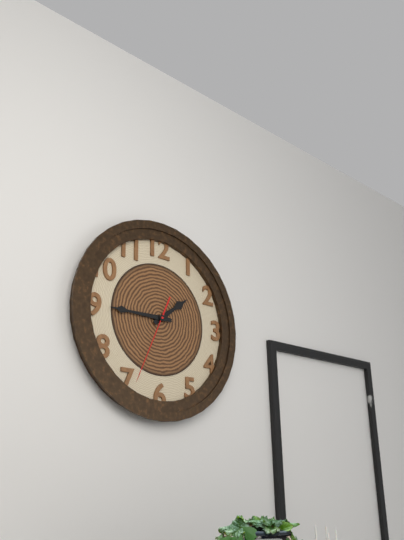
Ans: 1:45:34
